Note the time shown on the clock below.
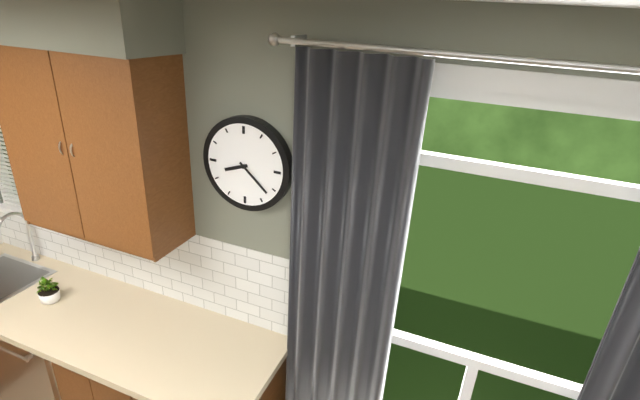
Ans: 8:22
